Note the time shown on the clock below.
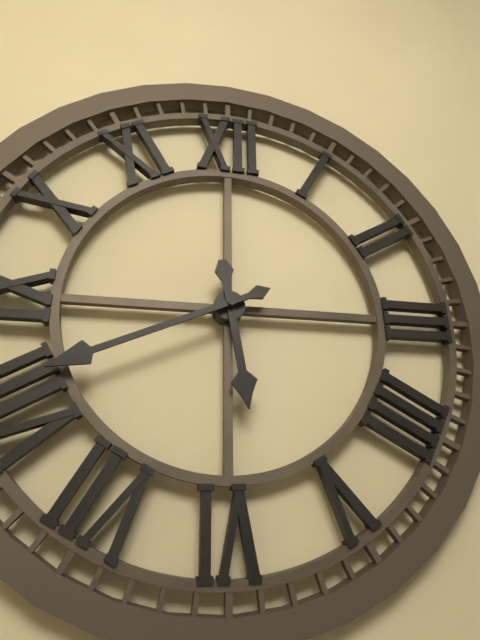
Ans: 5:41
